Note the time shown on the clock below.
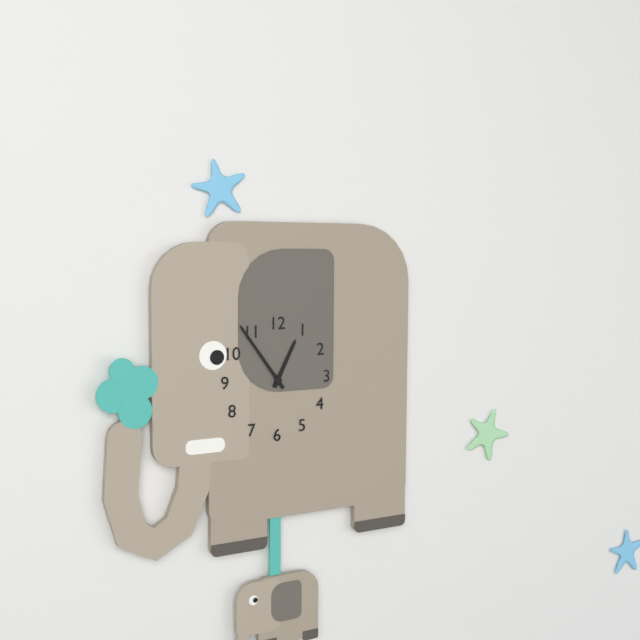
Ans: 12:54
